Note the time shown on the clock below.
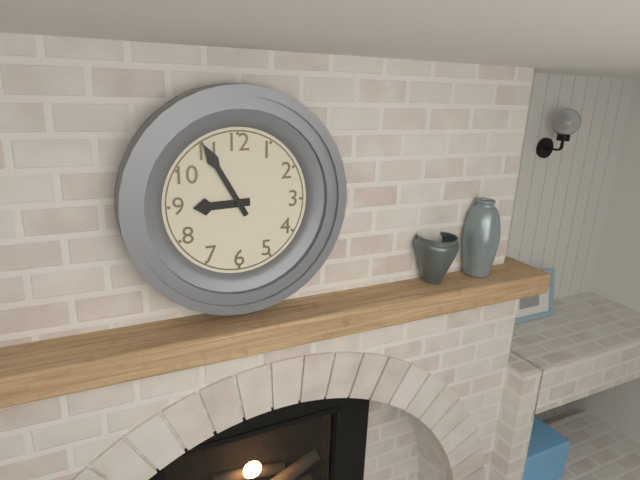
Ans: 8:55
